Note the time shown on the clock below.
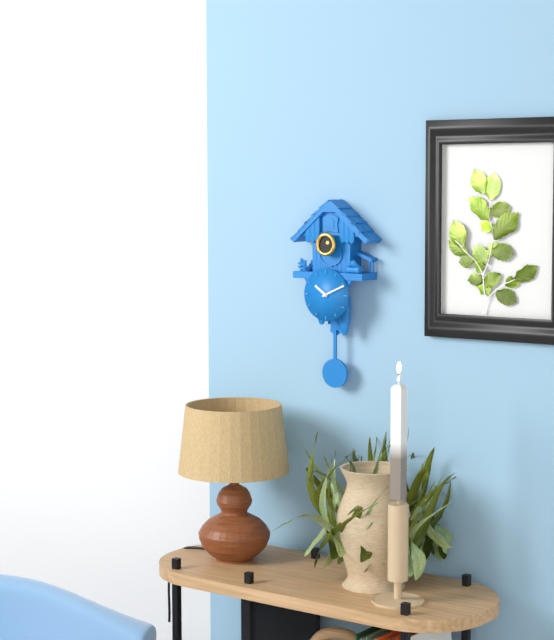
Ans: 10:11
